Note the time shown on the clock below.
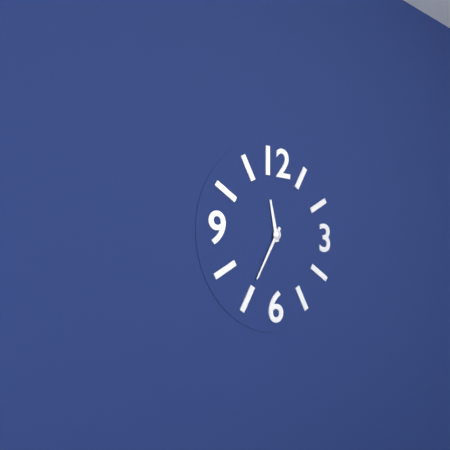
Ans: 11:35
